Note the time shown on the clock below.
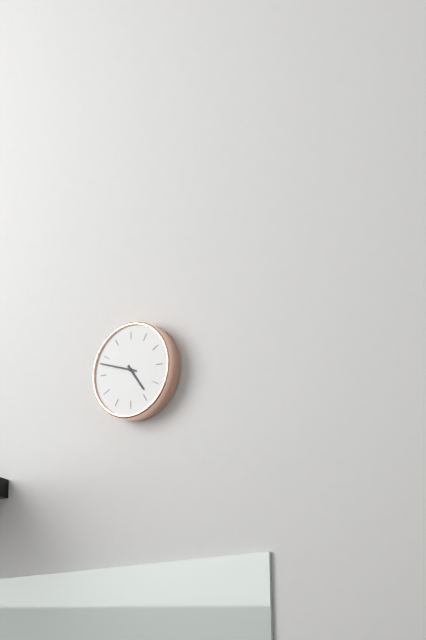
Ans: 4:48
